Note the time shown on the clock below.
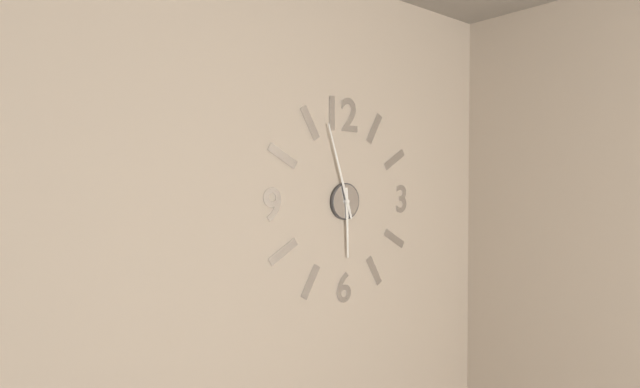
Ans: 5:57
